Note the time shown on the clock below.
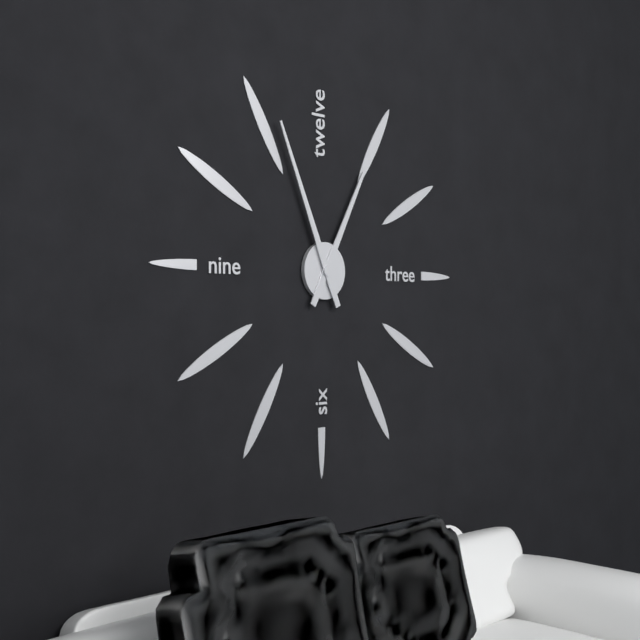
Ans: 12:56
